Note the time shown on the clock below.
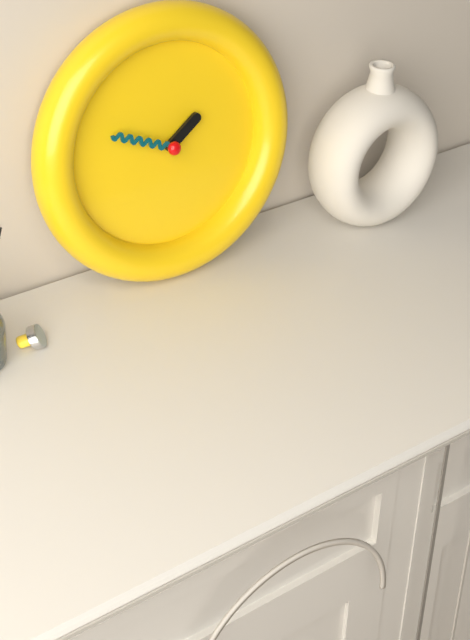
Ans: 1:49
